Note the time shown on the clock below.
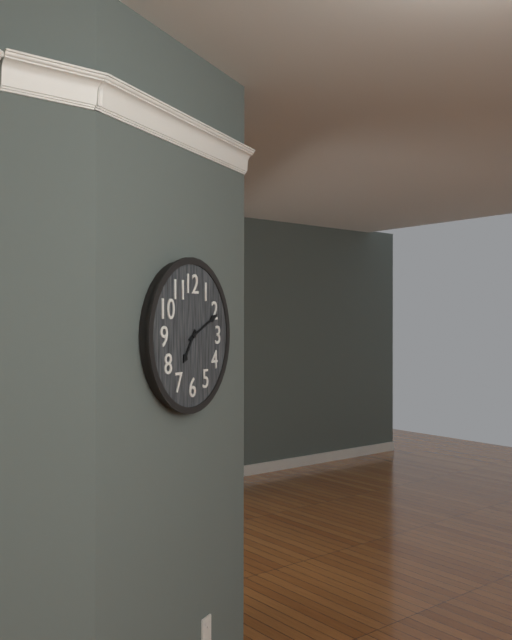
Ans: 7:11
